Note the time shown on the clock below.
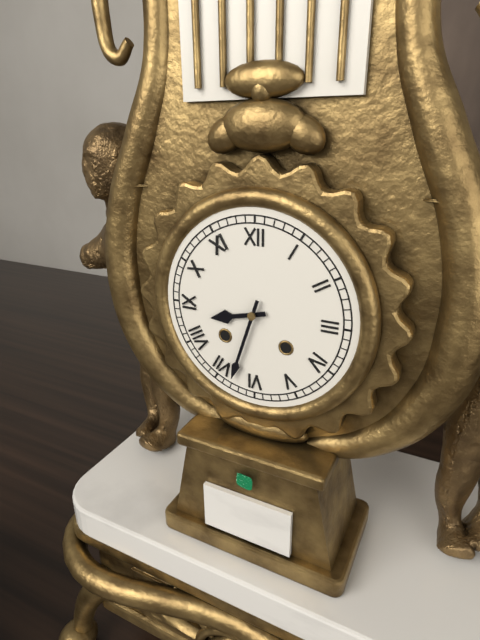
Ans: 8:33
